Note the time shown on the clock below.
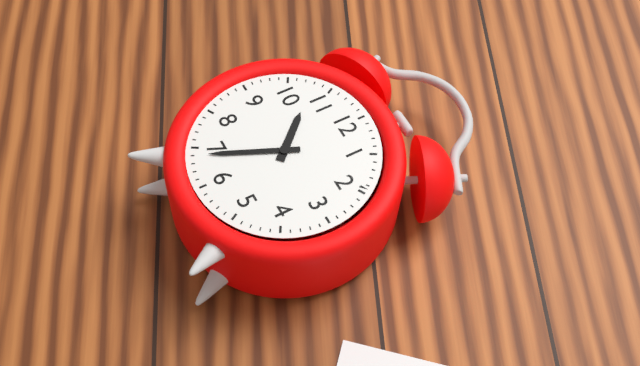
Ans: 10:34
